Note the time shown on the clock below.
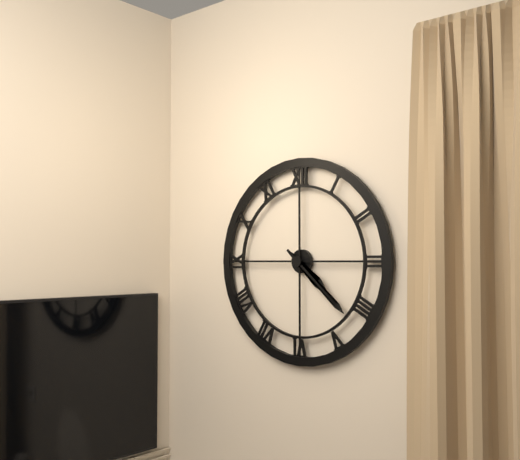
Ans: 4:22
